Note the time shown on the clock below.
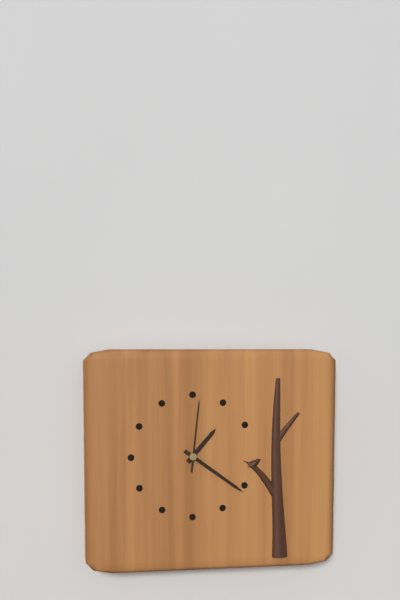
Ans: 1:21:01
